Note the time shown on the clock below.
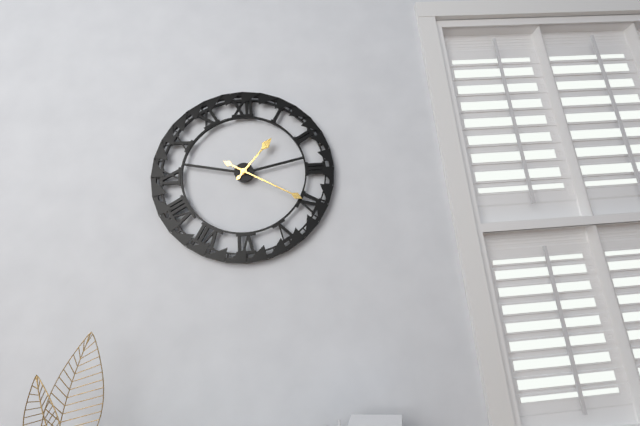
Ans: 1:20
